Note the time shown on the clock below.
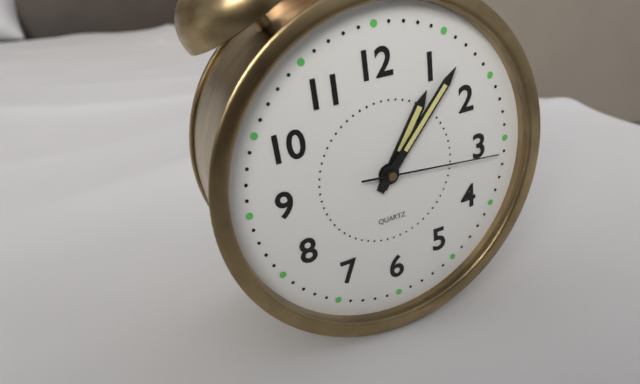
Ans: 1:07:16
